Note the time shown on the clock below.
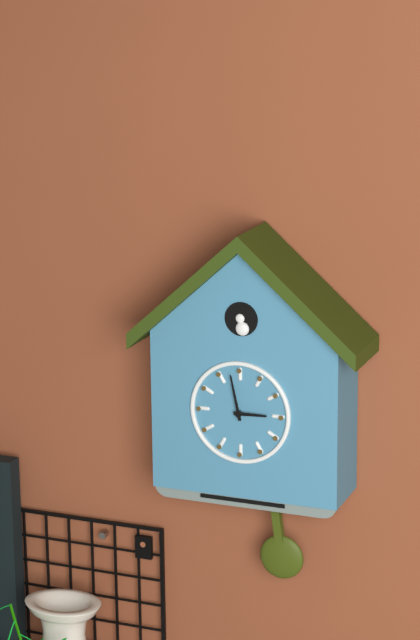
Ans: 2:58
